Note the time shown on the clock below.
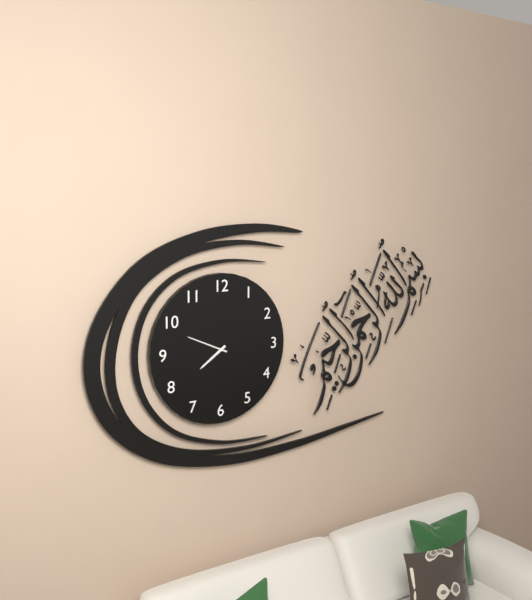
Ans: 7:49
